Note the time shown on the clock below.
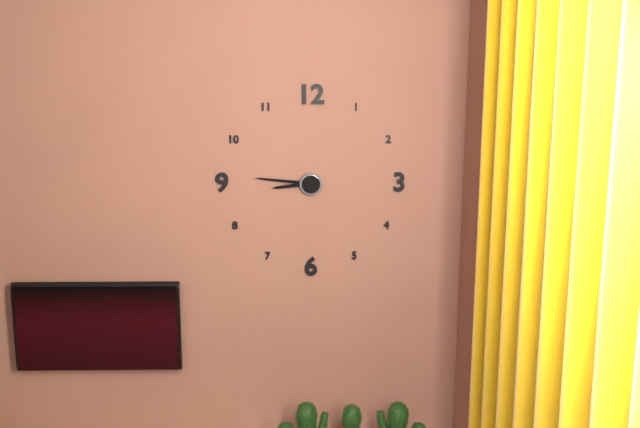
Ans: 8:46
